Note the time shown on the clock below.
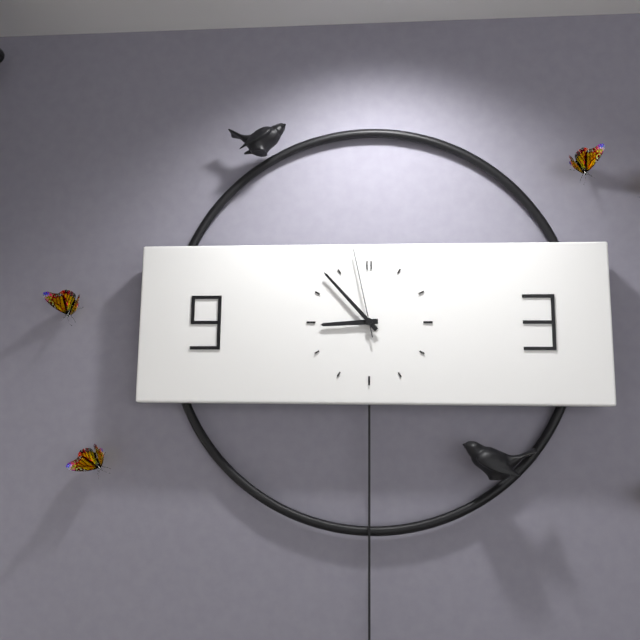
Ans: 8:53:58
